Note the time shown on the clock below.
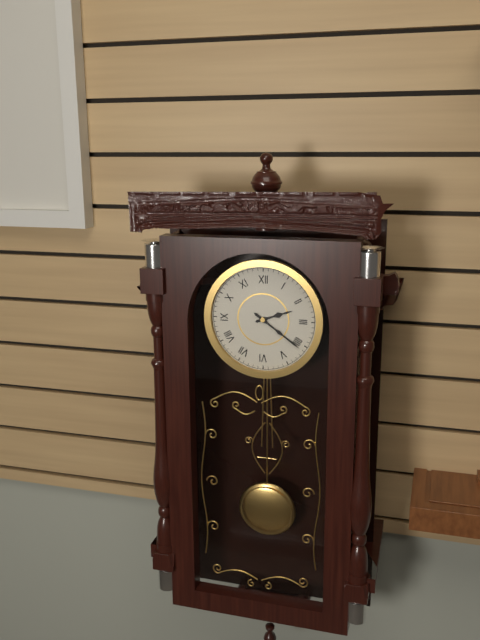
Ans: 2:21
